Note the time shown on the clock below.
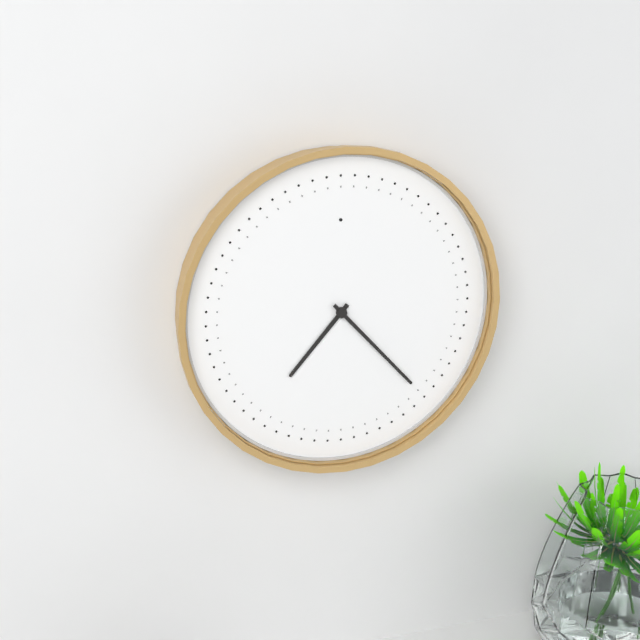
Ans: 7:23
